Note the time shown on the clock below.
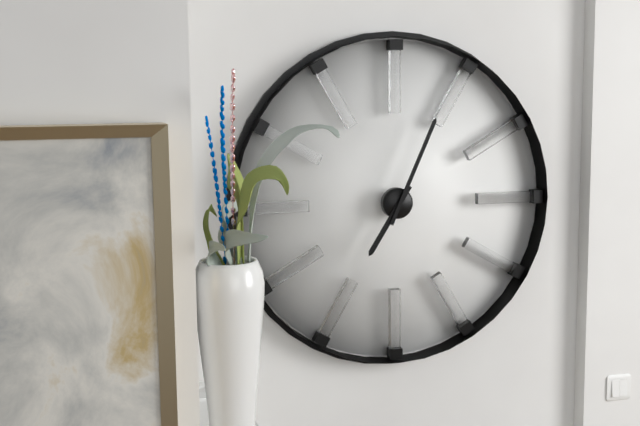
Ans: 7:04
